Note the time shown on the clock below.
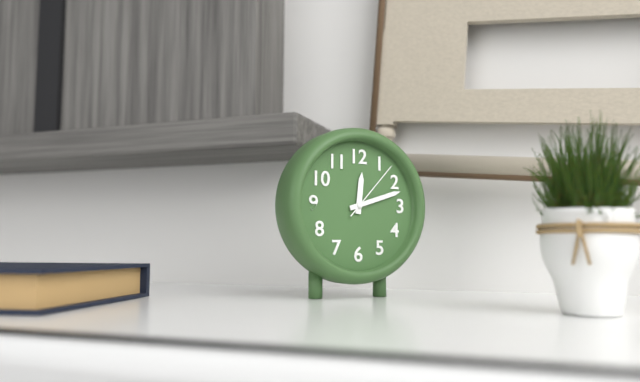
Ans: 12:12:07
